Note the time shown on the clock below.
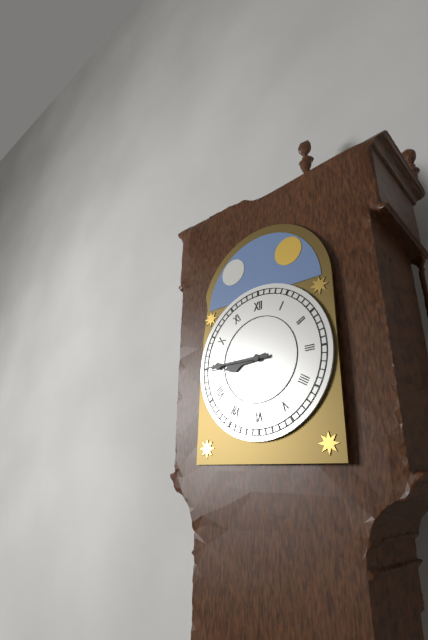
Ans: 8:45
